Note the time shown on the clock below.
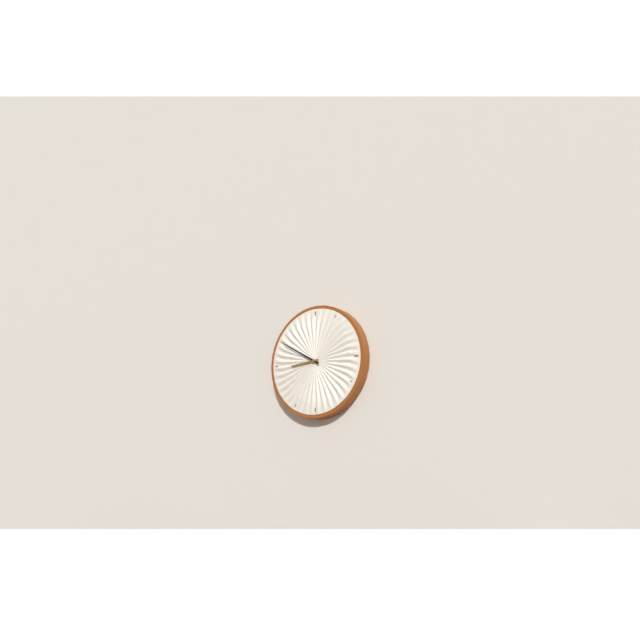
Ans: 8:50
